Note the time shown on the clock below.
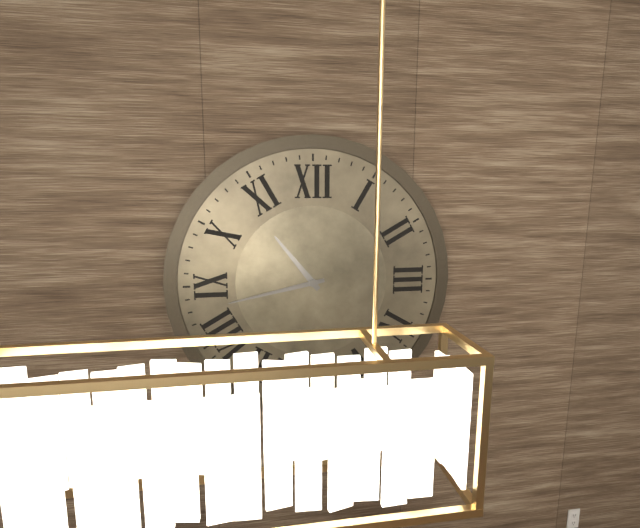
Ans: 10:43
